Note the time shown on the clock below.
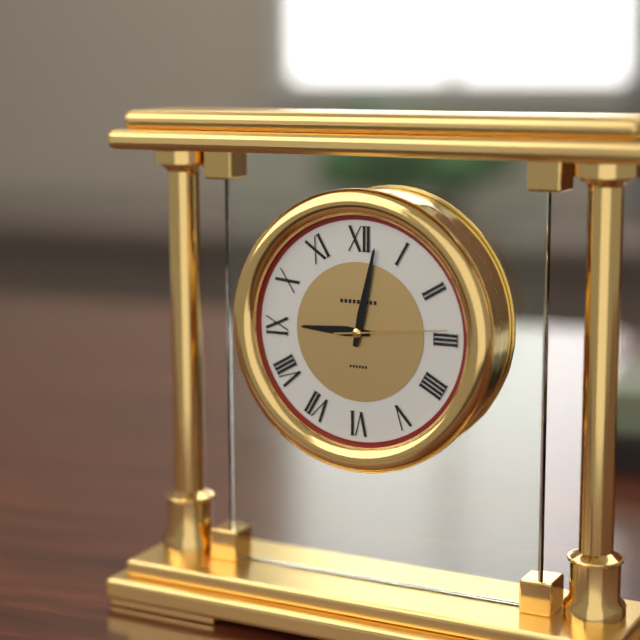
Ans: 9:02:14
